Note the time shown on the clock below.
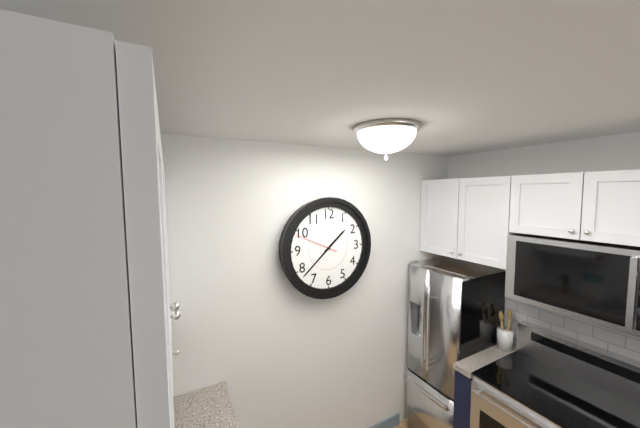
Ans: 1:38
